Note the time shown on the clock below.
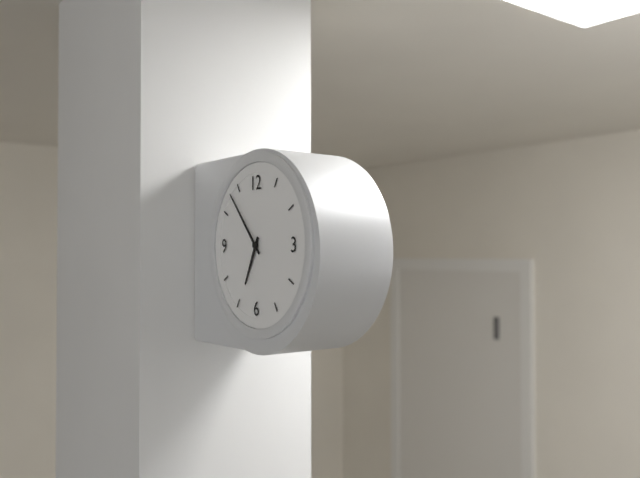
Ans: 6:53
